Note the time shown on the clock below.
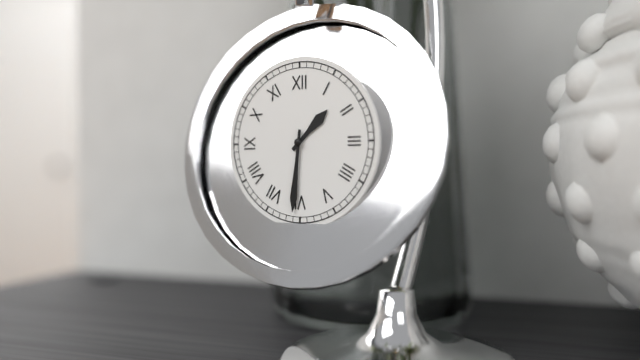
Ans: 1:31
